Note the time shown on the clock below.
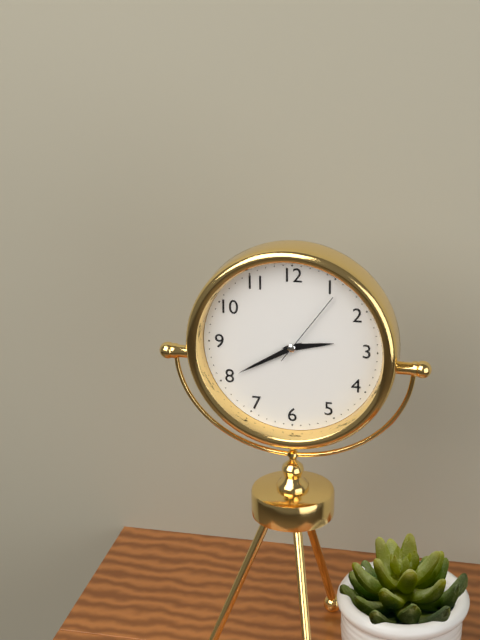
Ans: 2:40:06
